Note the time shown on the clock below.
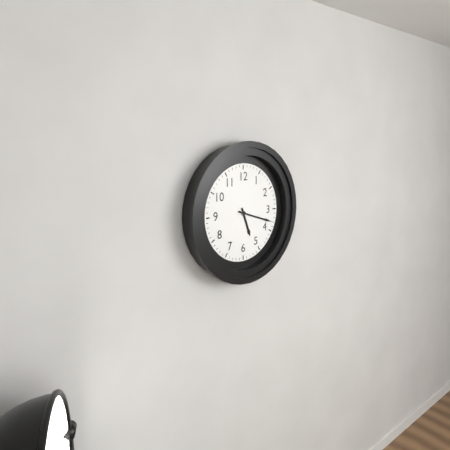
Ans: 5:18
